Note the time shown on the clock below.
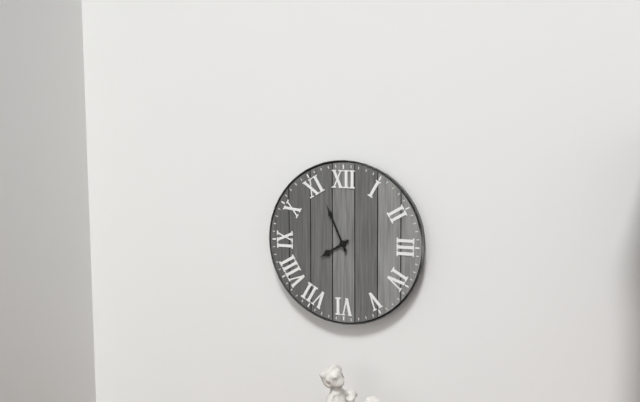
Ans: 7:56
